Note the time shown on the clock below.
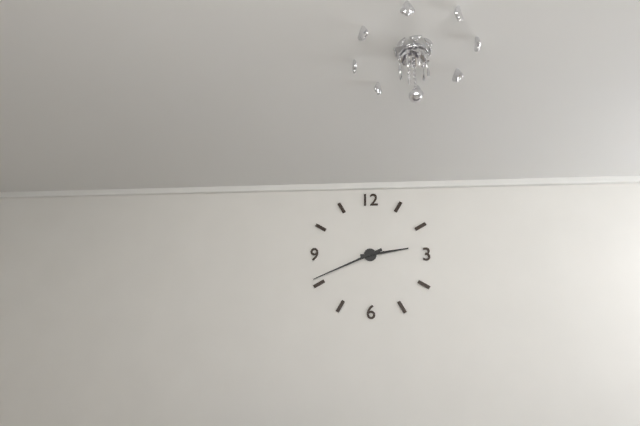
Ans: 2:41
